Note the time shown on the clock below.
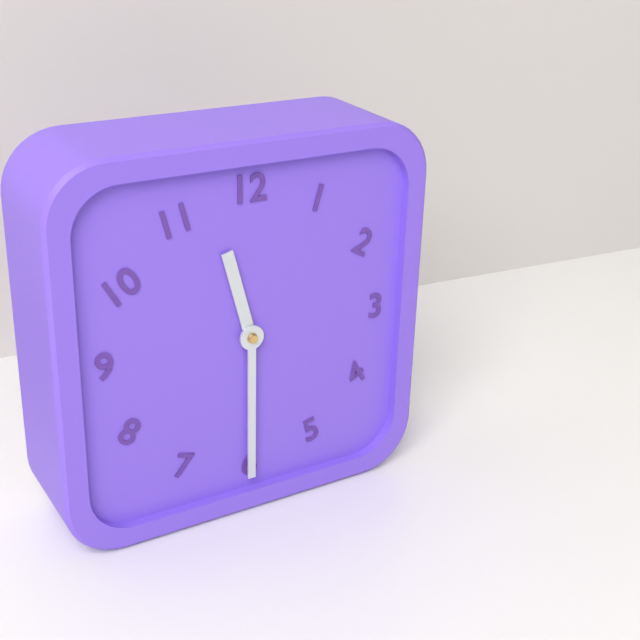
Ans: 11:30
